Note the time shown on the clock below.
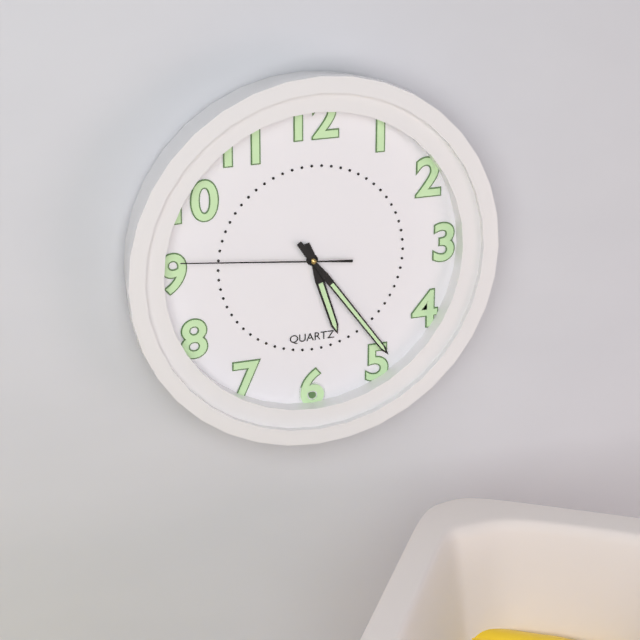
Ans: 5:24:46
